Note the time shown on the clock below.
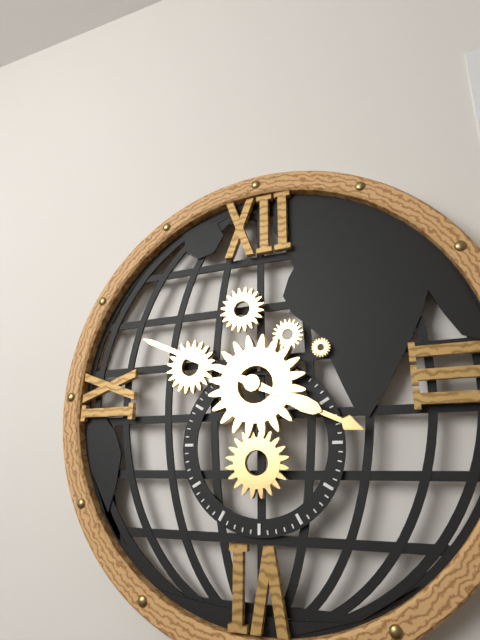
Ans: 3:49
